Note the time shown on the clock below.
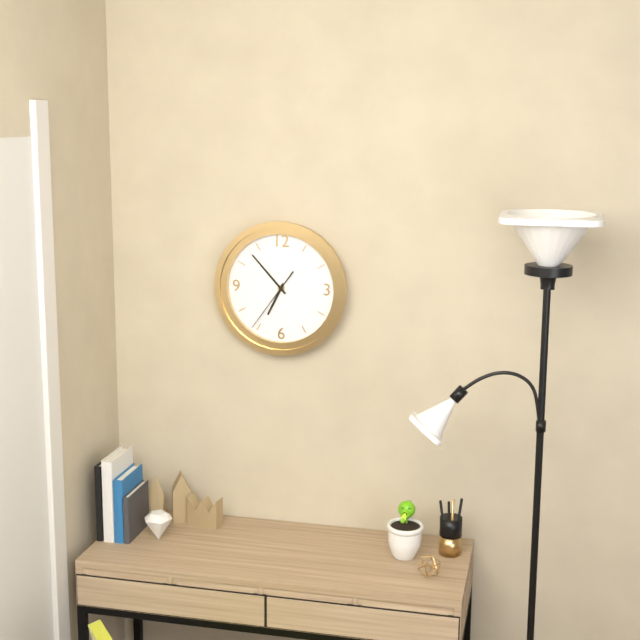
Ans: 6:53:36
